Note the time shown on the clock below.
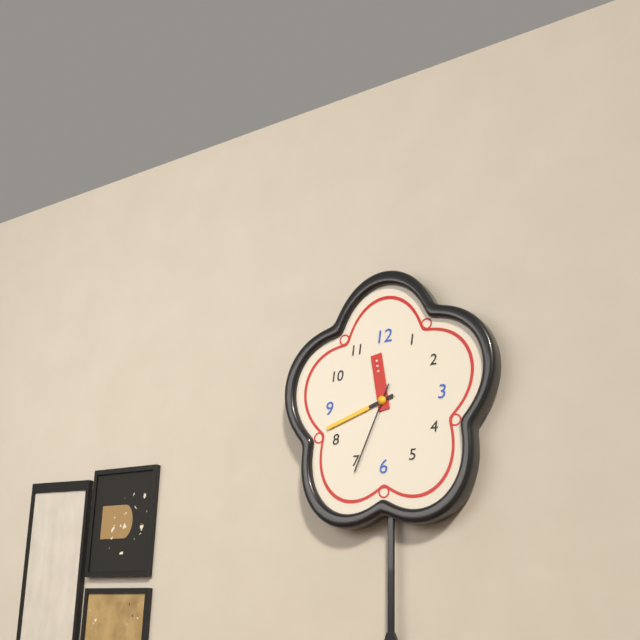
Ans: 11:42:34
